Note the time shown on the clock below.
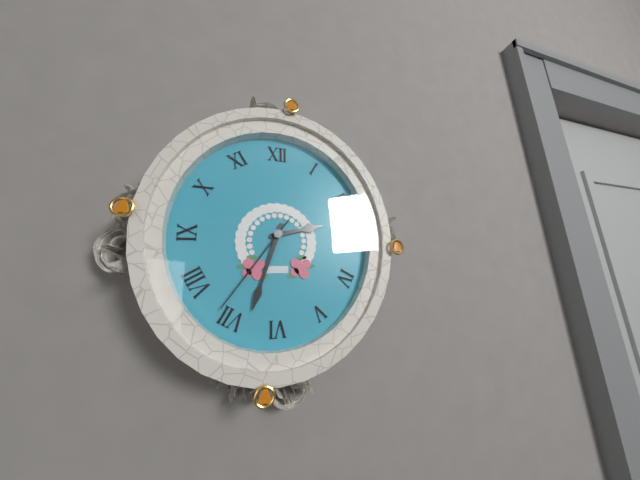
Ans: 2:33:36
